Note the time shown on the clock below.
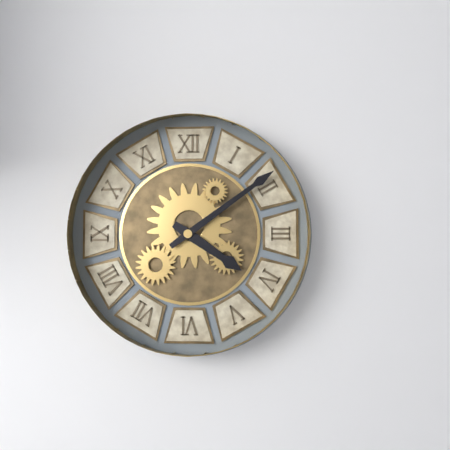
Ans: 4:09
